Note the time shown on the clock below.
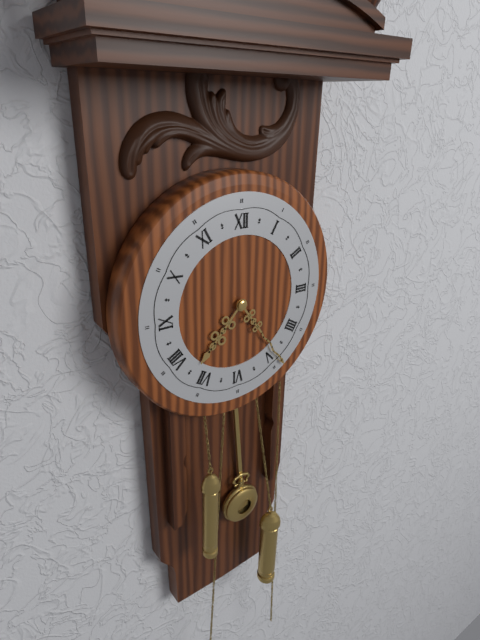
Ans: 7:24
